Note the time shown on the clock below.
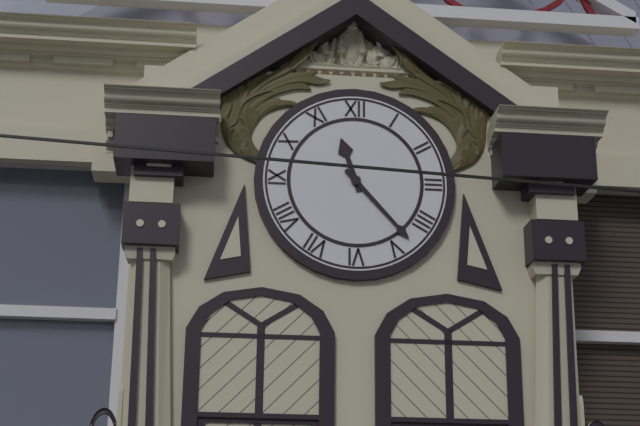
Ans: 11:23
